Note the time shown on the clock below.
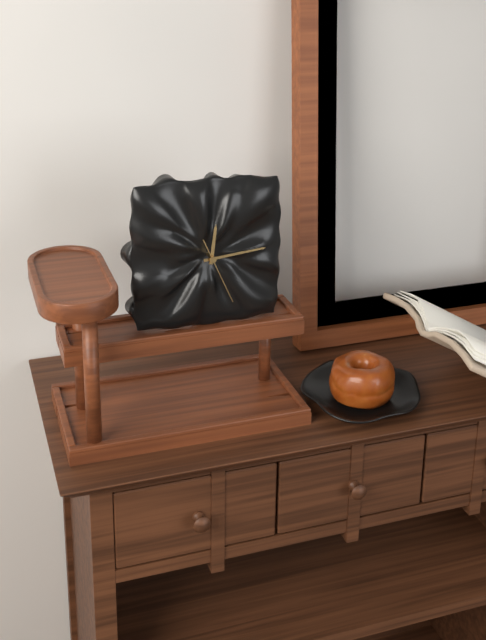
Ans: 12:14:26
